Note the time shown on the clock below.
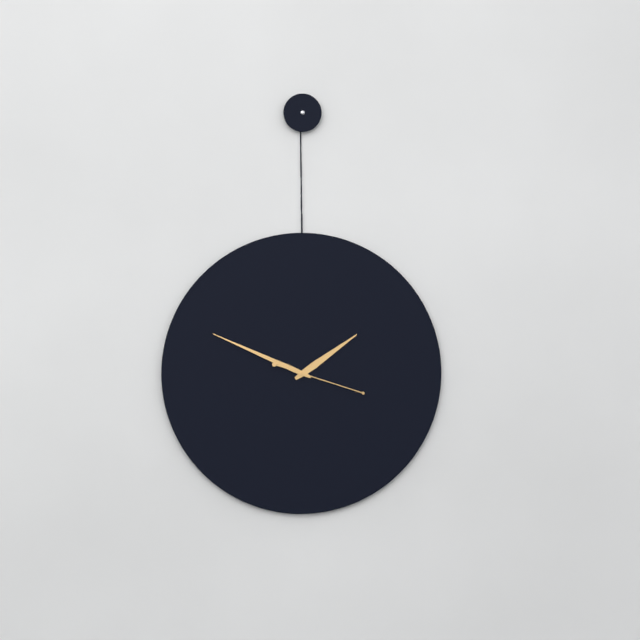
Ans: 1:49:18
